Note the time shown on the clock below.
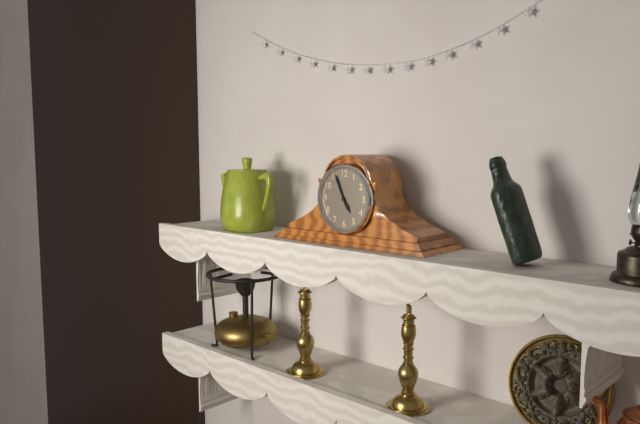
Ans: 4:56
